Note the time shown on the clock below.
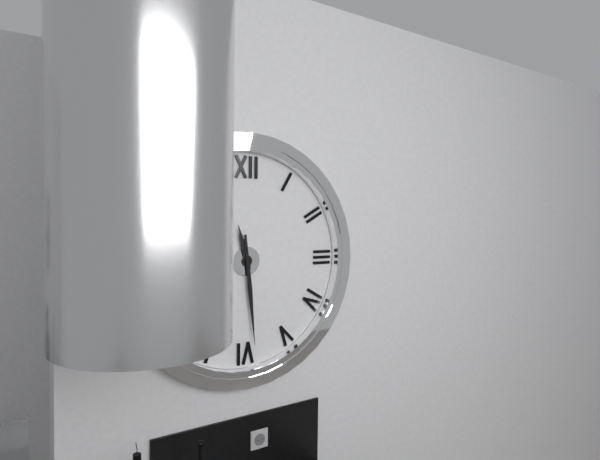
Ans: 11:29
